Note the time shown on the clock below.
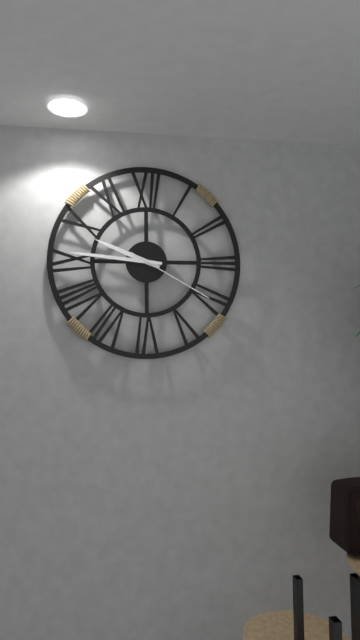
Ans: 9:46:20
